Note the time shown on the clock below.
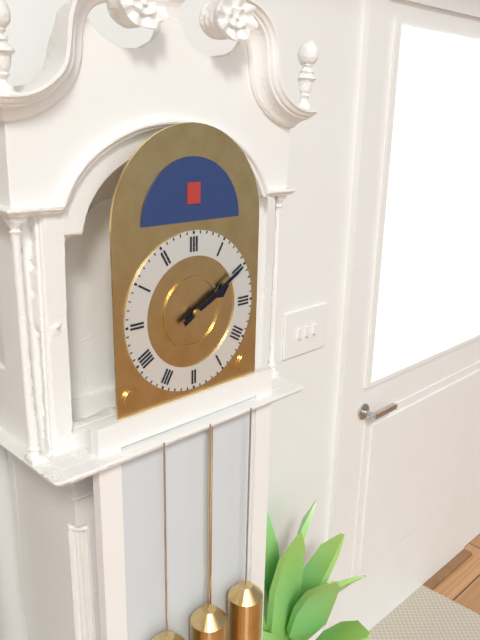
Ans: 2:10
